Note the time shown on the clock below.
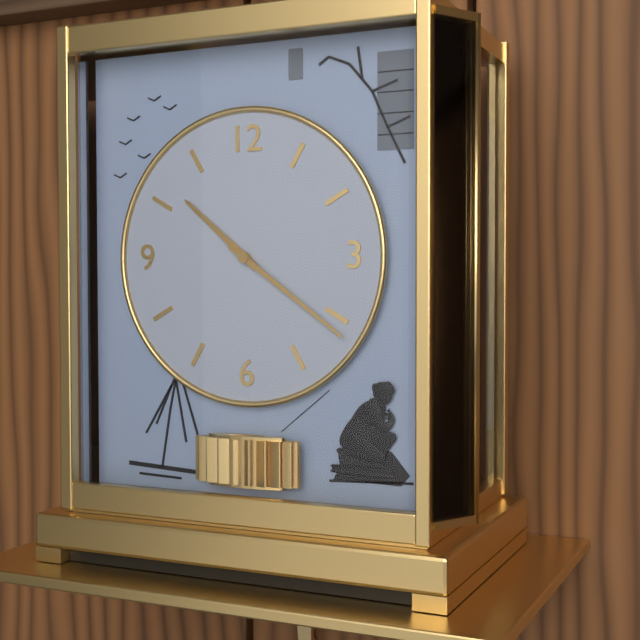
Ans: 10:21
